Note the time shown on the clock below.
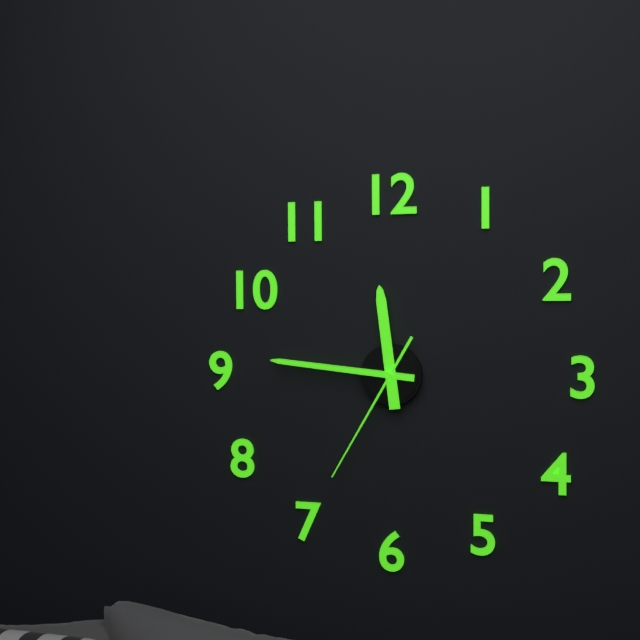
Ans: 11:46:35
